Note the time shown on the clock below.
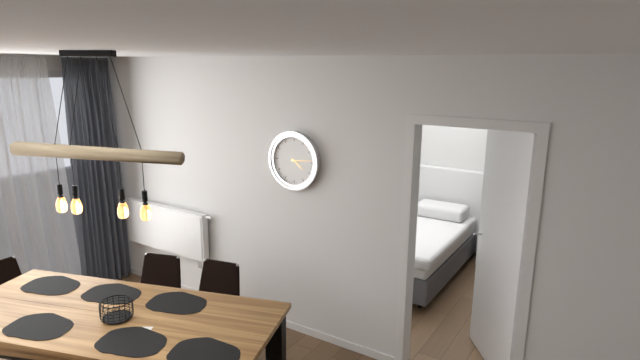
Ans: 4:14
